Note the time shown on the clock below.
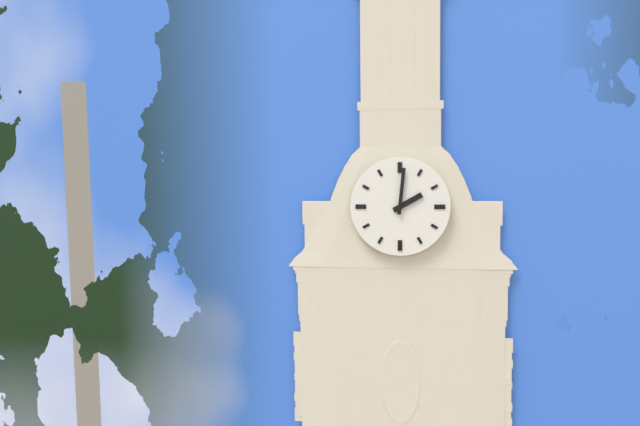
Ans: 2:01
